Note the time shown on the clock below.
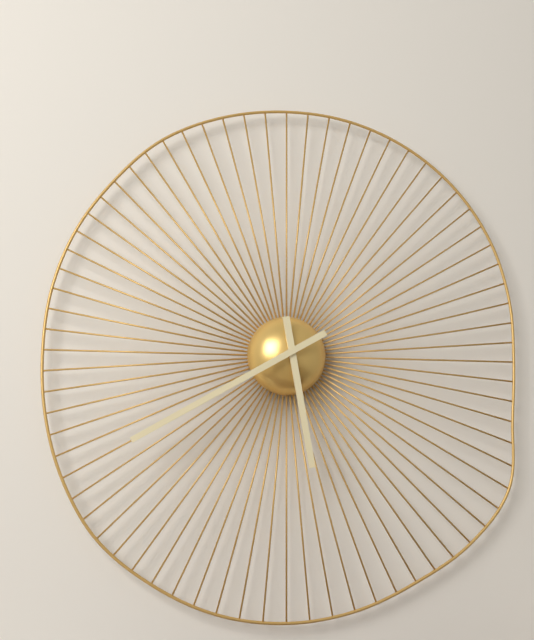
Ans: 5:40
